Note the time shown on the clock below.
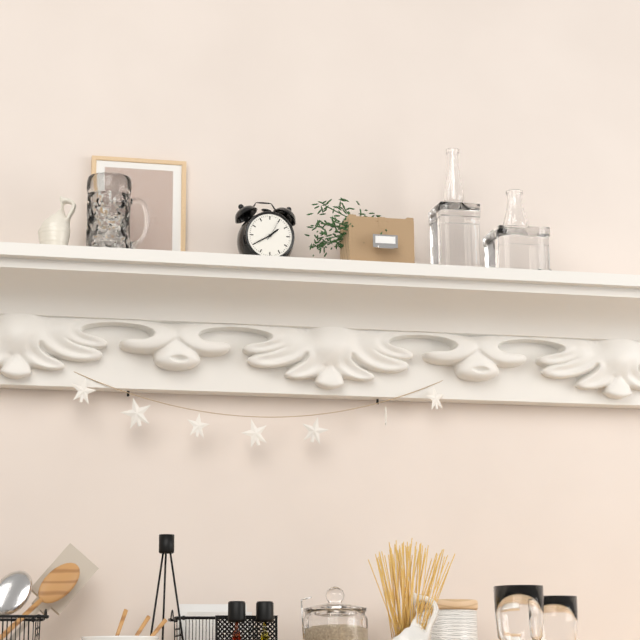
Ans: 1:40
